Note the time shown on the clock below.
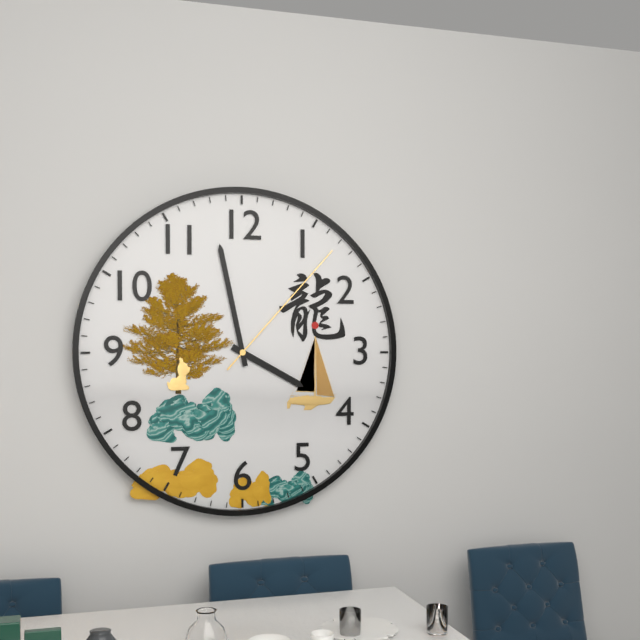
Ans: 3:58:07
